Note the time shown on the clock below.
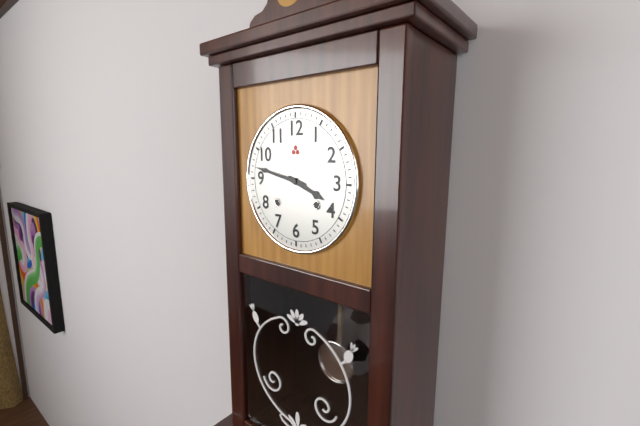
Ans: 3:47
